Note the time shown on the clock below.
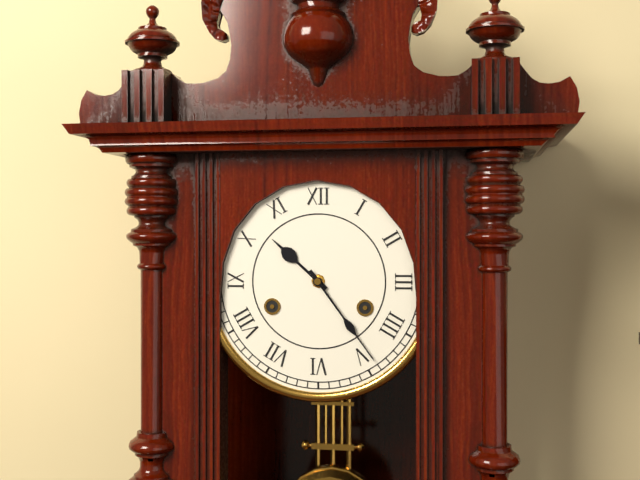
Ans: 10:24
